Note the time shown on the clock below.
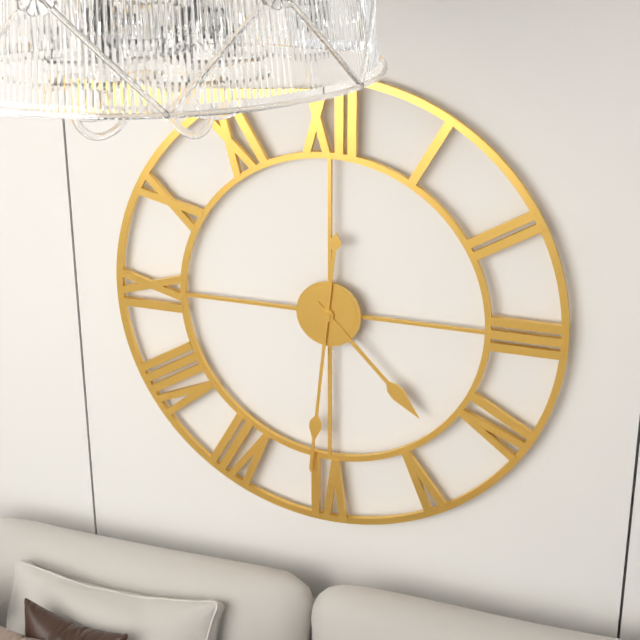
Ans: 4:31
